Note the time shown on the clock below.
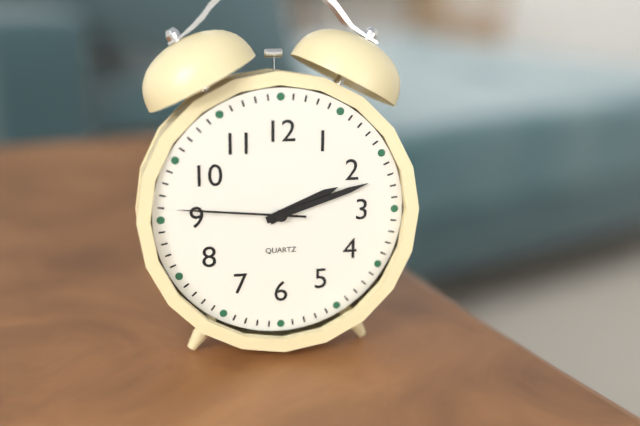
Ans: 2:12:46
